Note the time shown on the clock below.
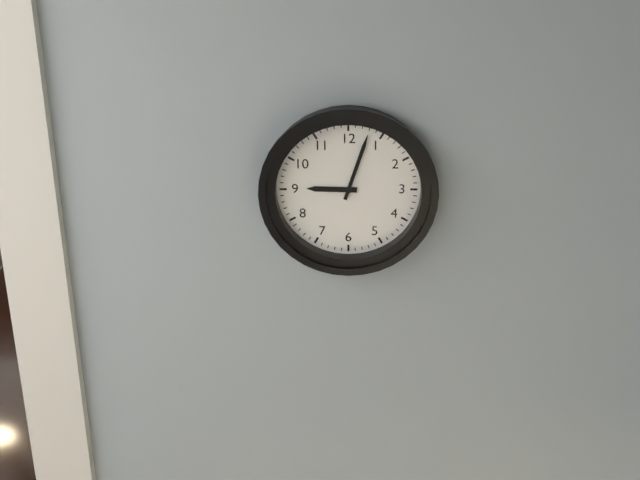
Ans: 9:03
